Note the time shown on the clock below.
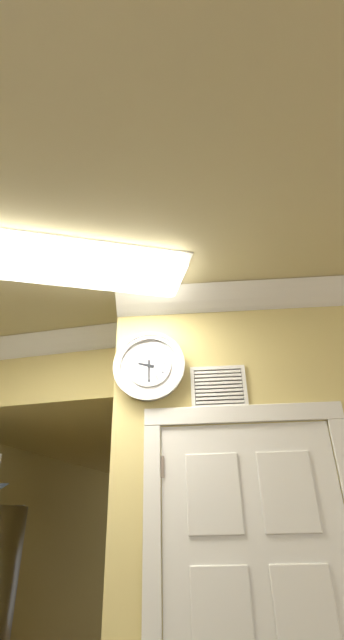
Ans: 9:30
